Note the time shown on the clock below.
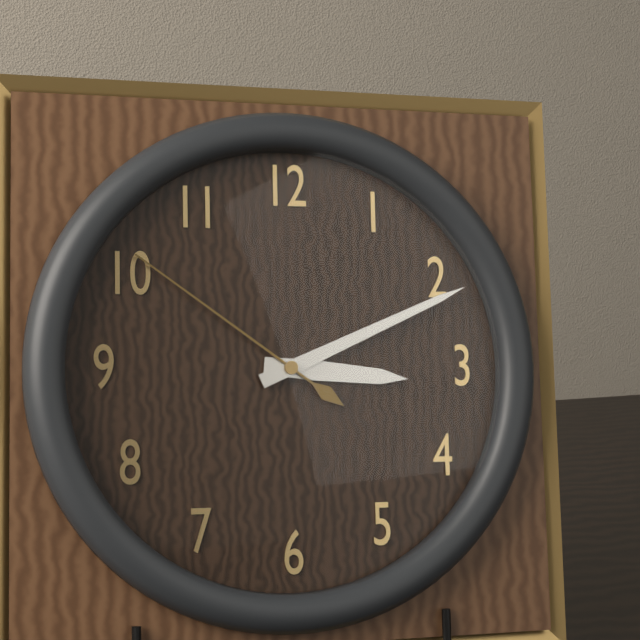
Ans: 3:11:51
